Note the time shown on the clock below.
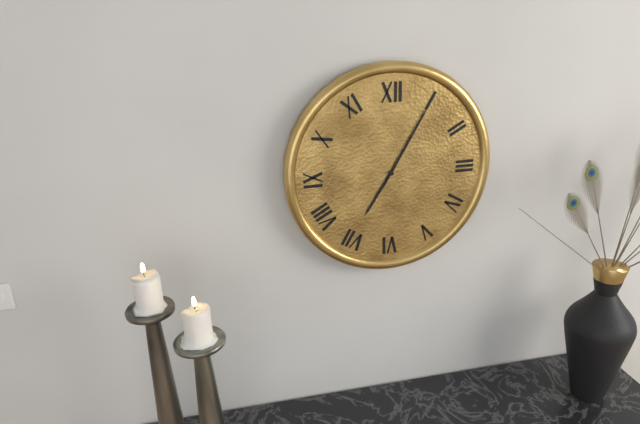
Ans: 7:05
